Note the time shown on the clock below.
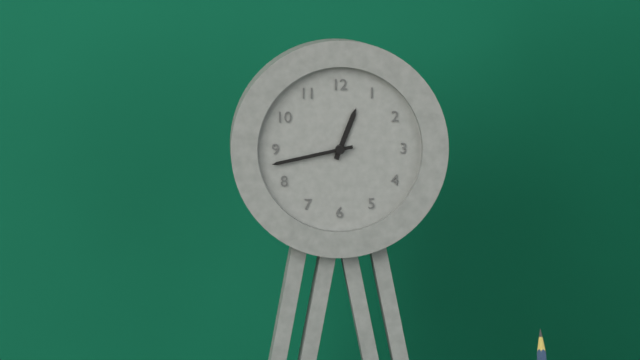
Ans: 12:43
